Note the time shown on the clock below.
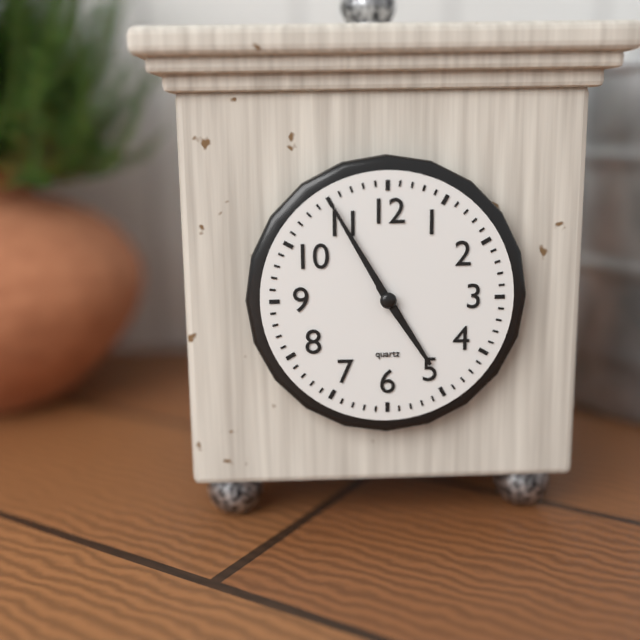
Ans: 4:55
